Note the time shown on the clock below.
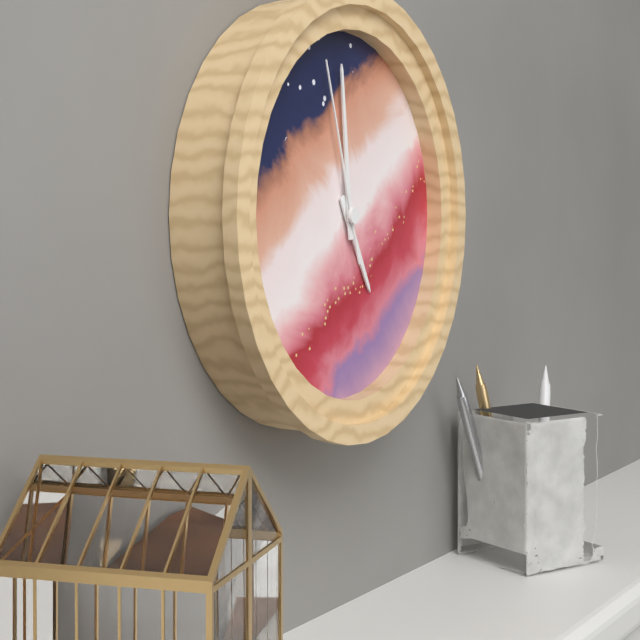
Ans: 4:59:57
